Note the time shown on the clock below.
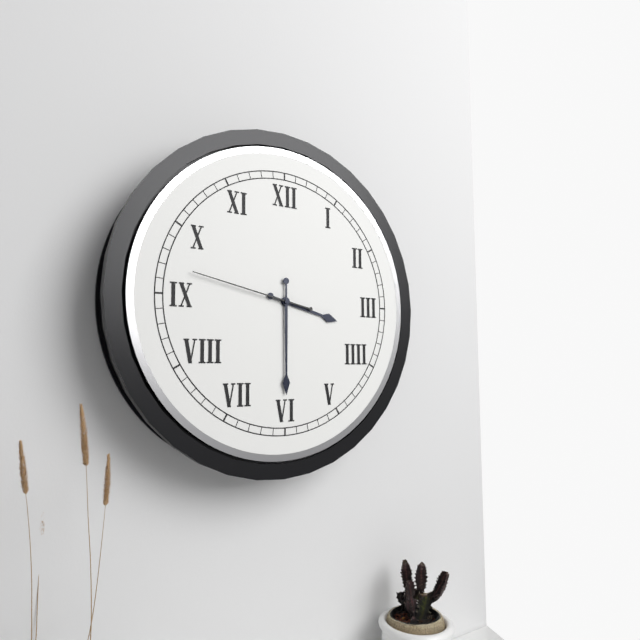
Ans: 3:30:47
